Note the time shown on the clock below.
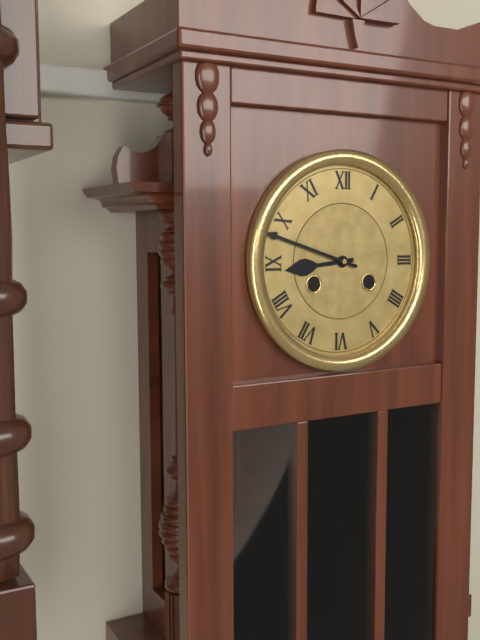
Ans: 8:48
